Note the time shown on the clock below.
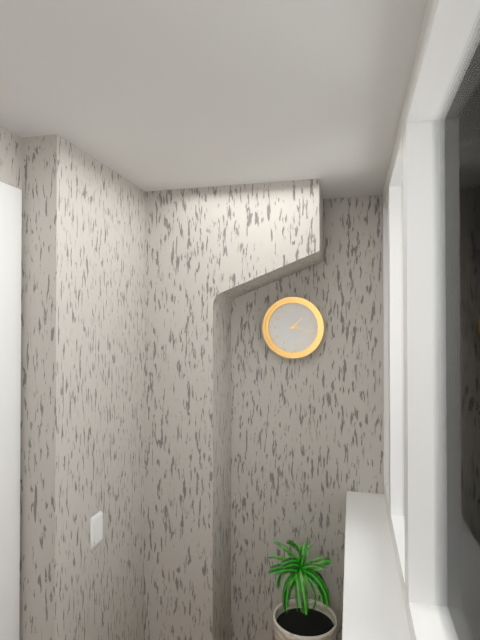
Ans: 1:18
